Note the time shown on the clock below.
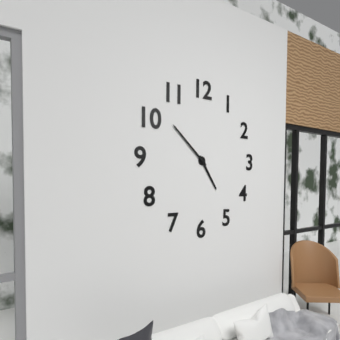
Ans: 4:52
